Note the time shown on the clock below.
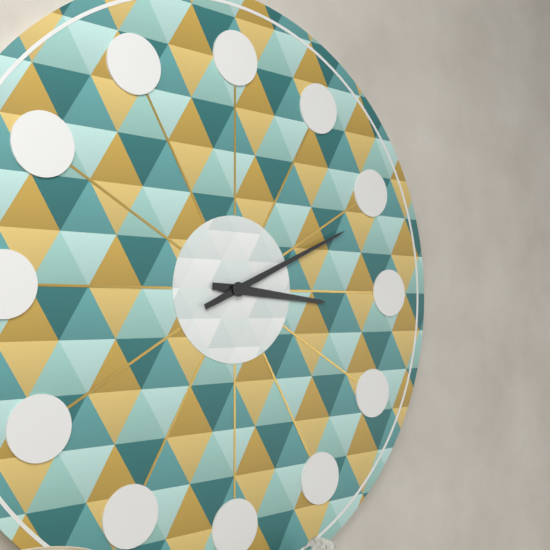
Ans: 3:11
